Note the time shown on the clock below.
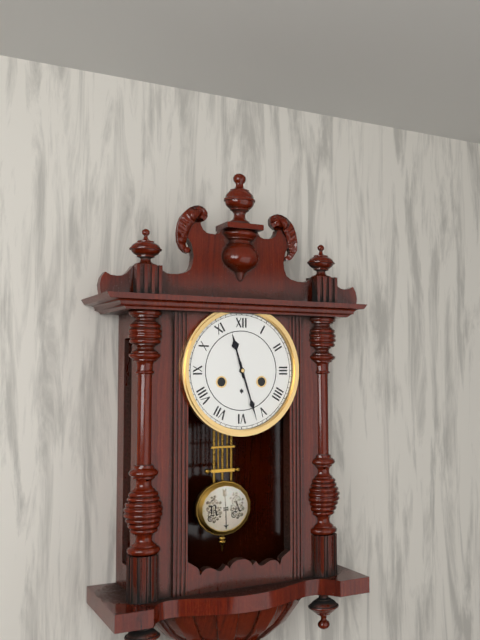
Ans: 11:27
